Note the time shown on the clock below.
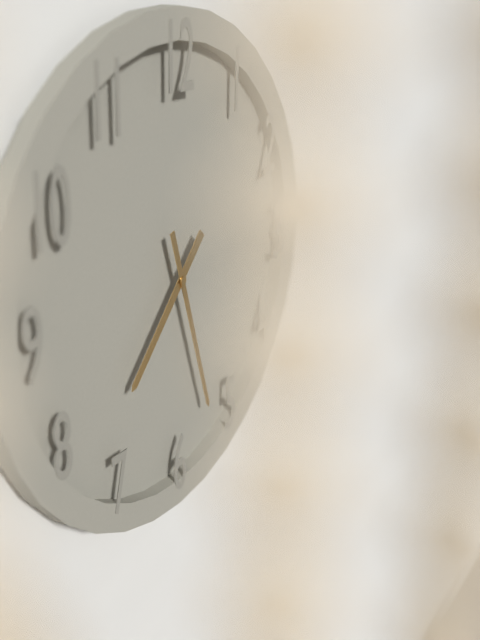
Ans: 7:27
